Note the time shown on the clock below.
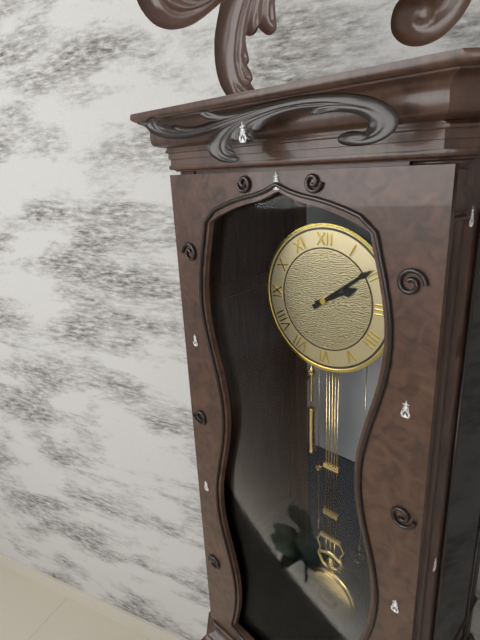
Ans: 2:09
